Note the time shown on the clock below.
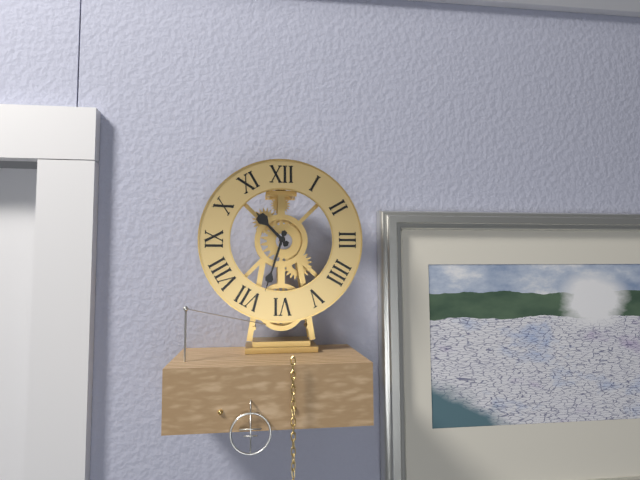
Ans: 10:33
